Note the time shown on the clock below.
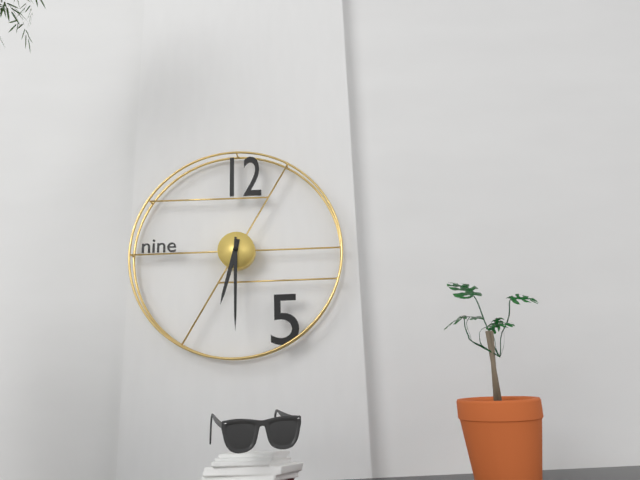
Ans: 6:30
